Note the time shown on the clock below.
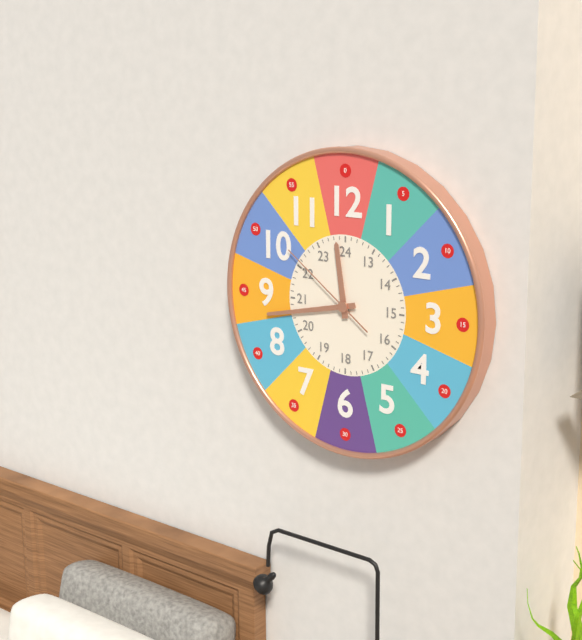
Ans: 11:43:51
